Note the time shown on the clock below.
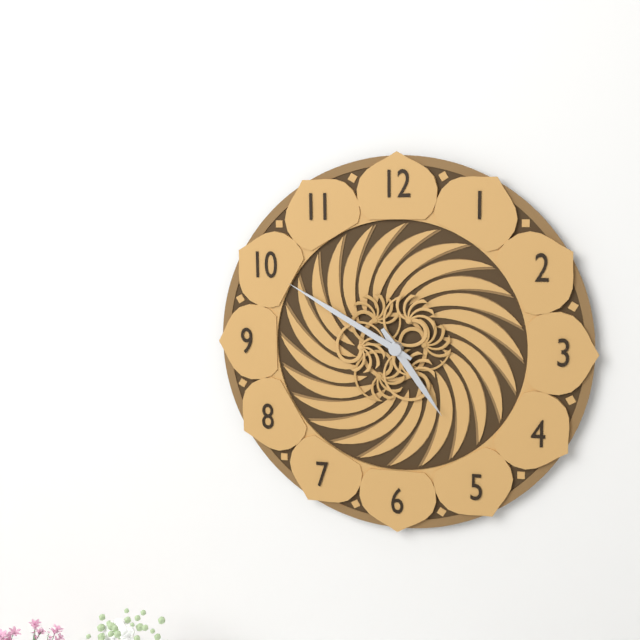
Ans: 4:50
